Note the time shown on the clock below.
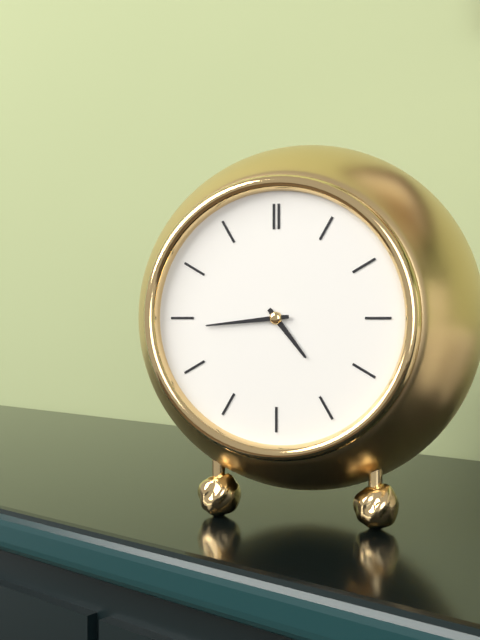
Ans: 4:44
